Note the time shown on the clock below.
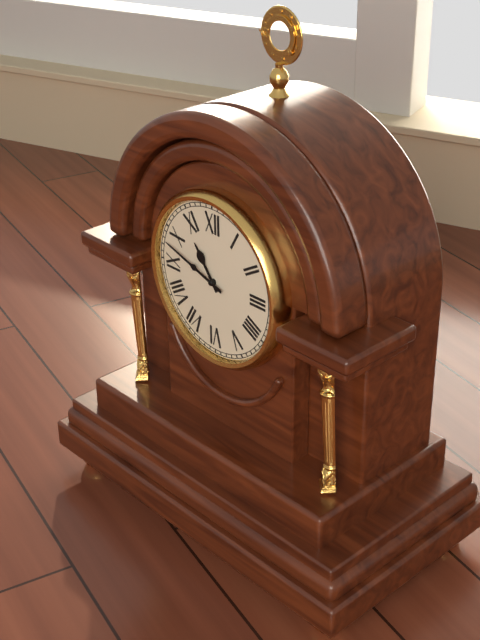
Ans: 10:48
